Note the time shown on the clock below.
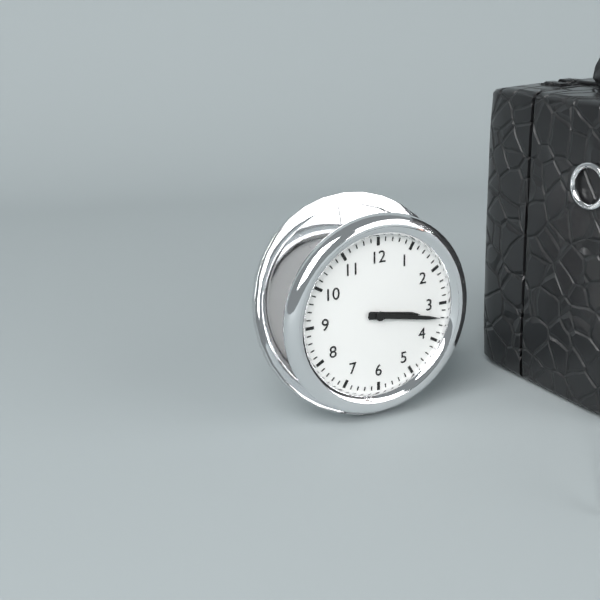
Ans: 3:17
